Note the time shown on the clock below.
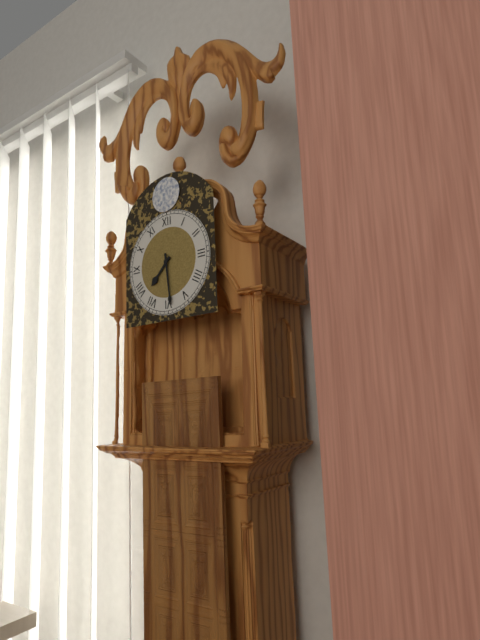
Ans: 7:29
